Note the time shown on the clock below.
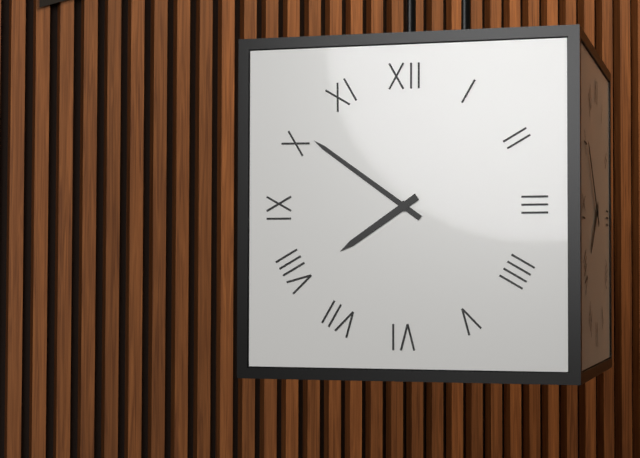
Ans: 7:51
